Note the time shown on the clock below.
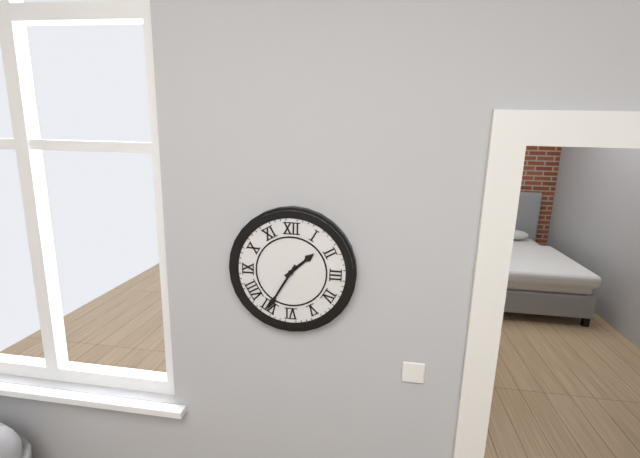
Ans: 1:35
